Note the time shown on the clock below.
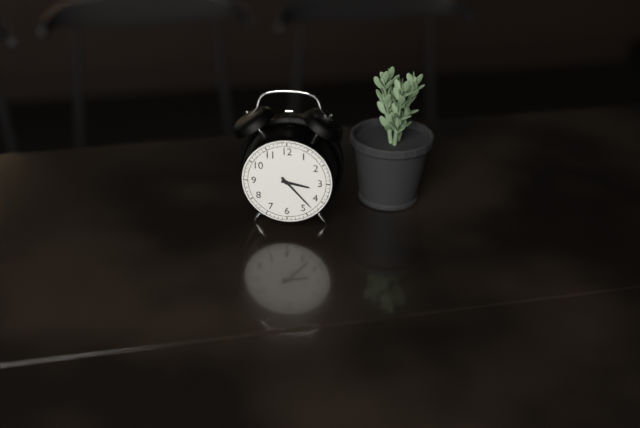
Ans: 3:23
